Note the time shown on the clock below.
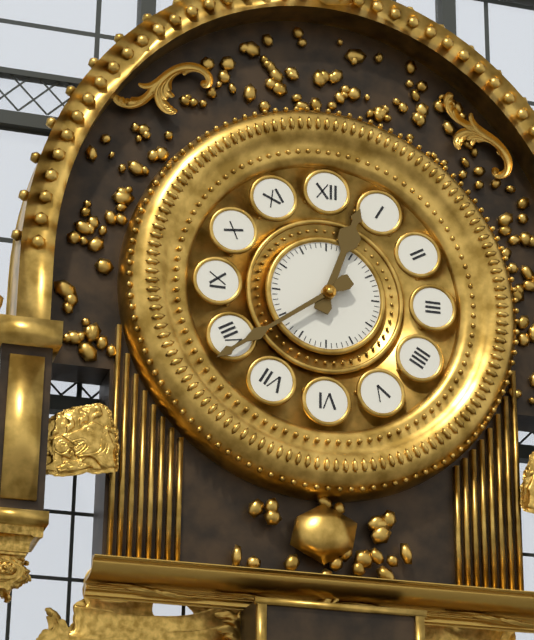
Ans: 12:39
